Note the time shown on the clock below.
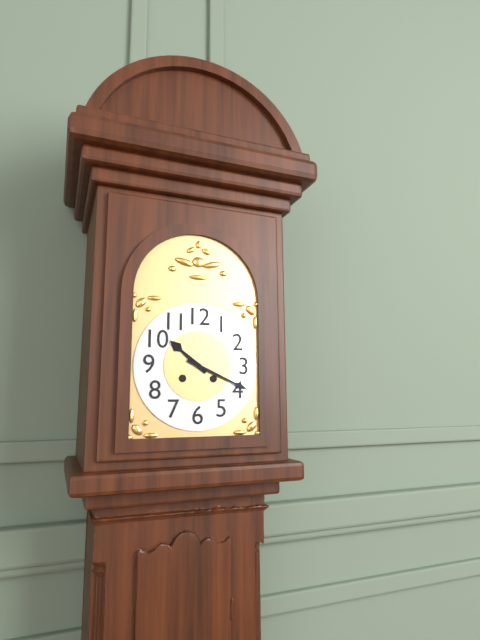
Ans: 10:19
